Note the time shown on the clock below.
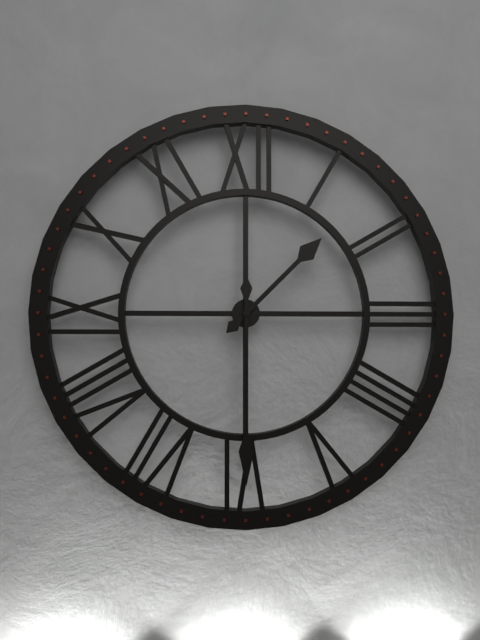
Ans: 1:30
